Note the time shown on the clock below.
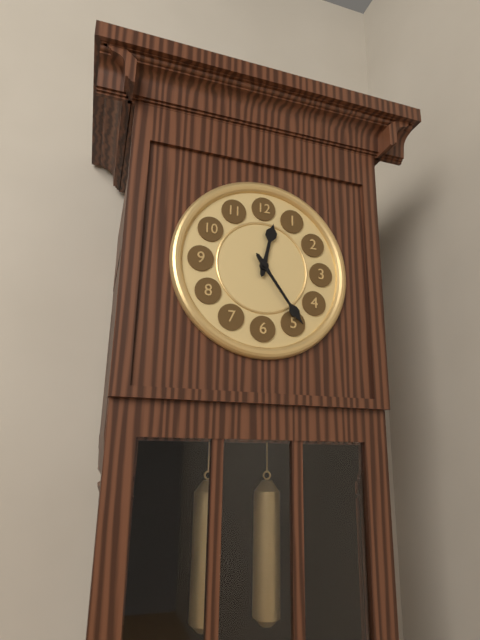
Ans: 12:24
